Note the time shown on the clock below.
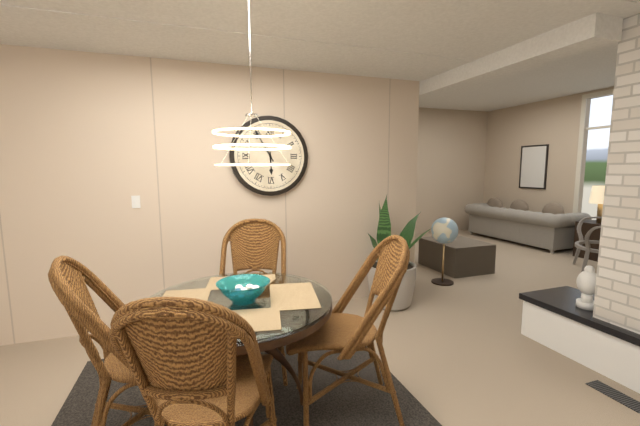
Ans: 5:55
